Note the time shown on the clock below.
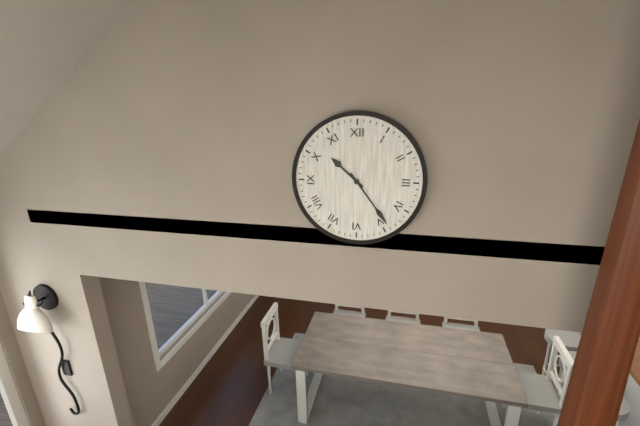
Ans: 10:24
